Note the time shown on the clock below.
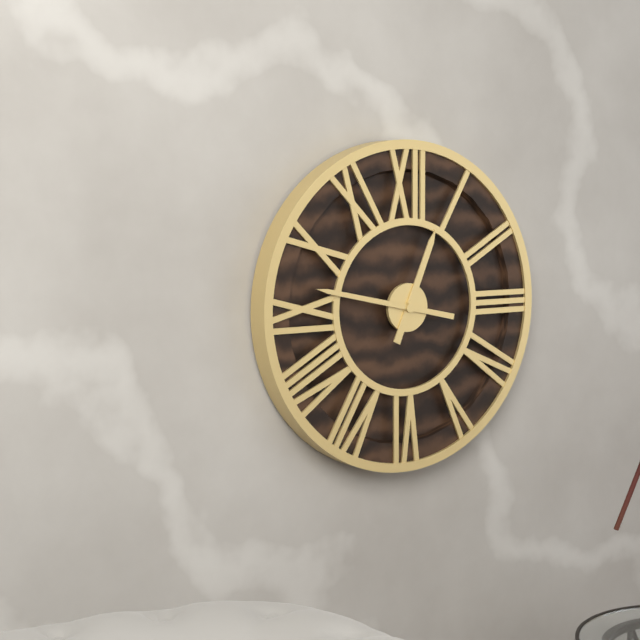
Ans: 12:47
